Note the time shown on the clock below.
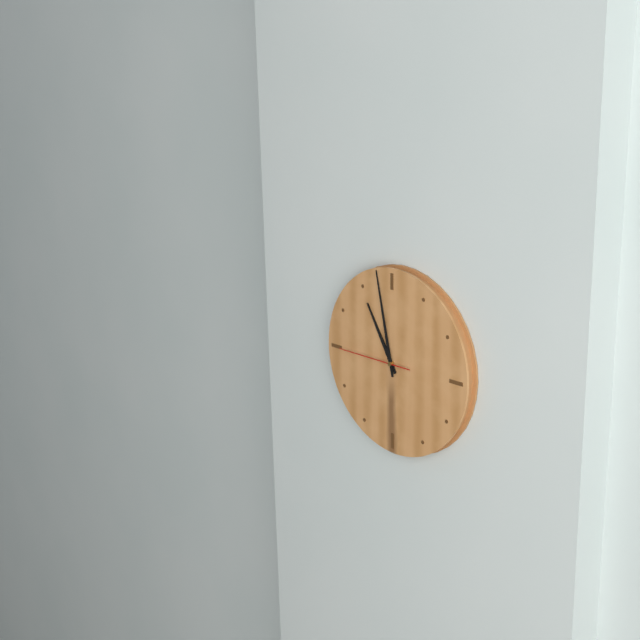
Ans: 10:58:45
